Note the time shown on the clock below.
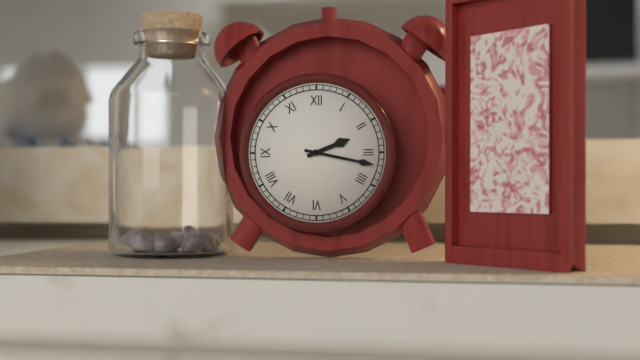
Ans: 2:17
